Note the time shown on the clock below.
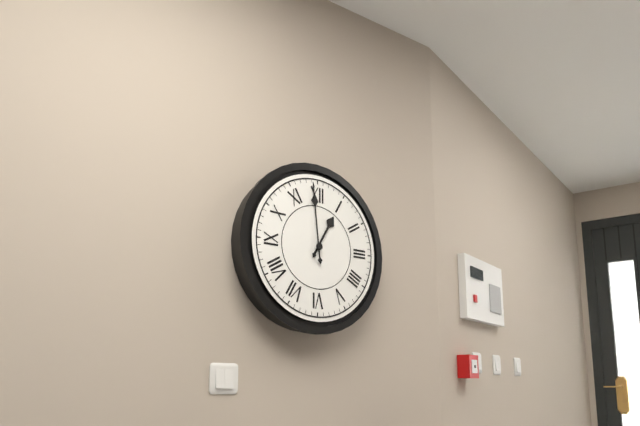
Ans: 12:59
